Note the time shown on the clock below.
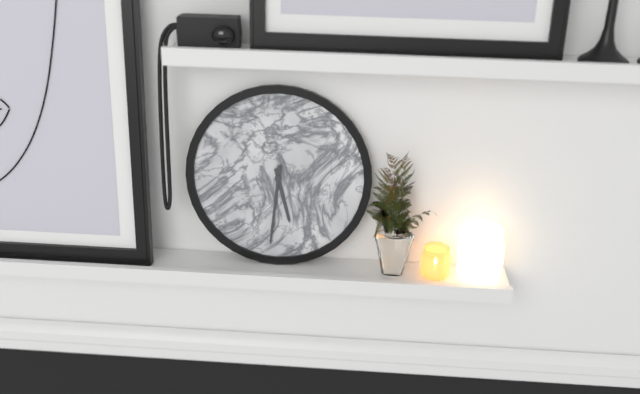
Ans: 5:31
